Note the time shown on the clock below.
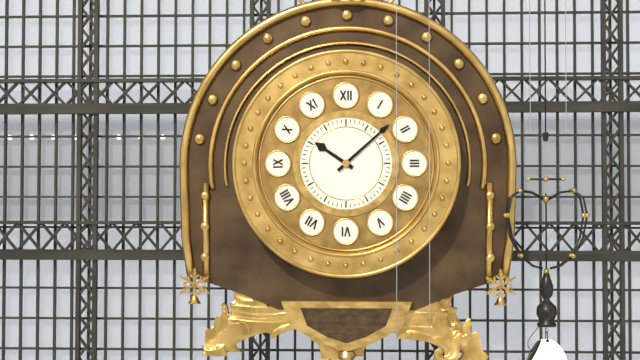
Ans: 10:08
